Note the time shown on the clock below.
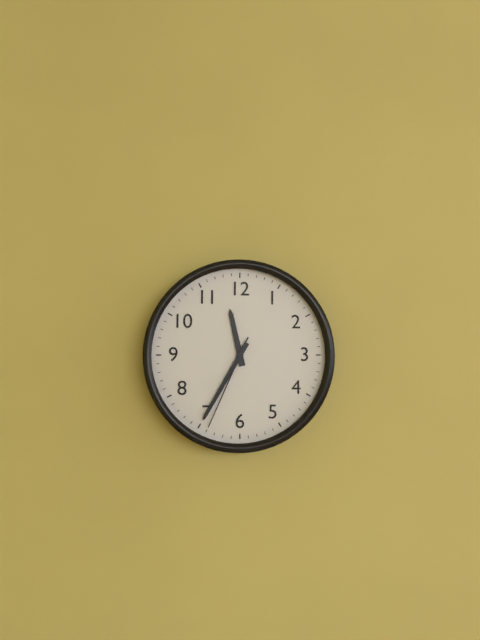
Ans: 11:35:34
